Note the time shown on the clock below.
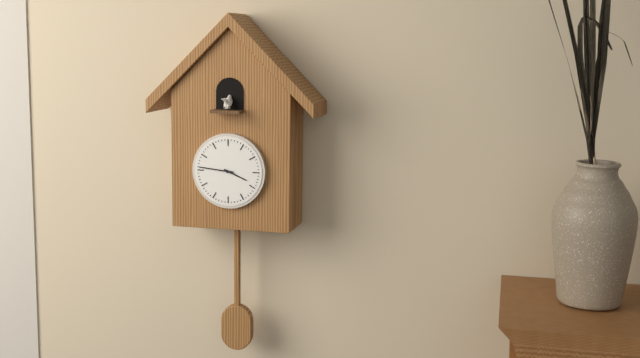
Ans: 3:46
